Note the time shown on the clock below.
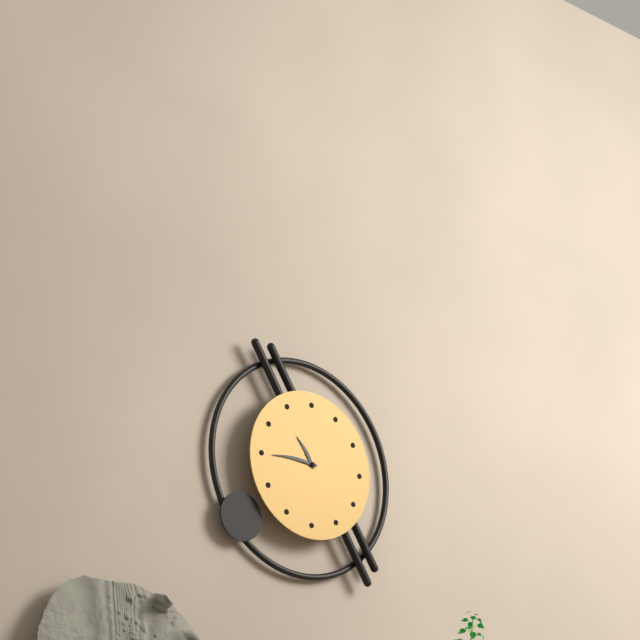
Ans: 10:45
